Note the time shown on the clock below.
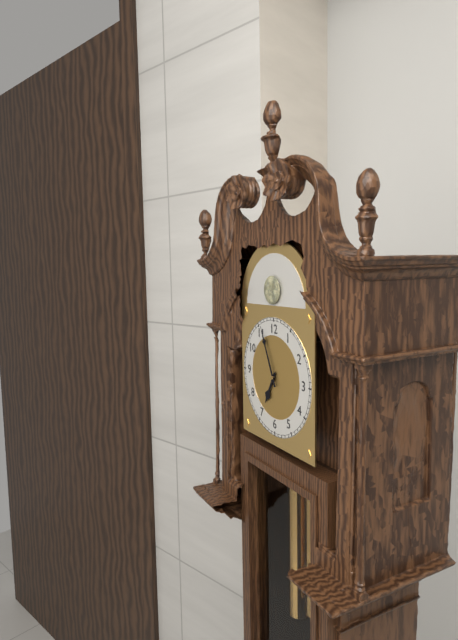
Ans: 6:56
